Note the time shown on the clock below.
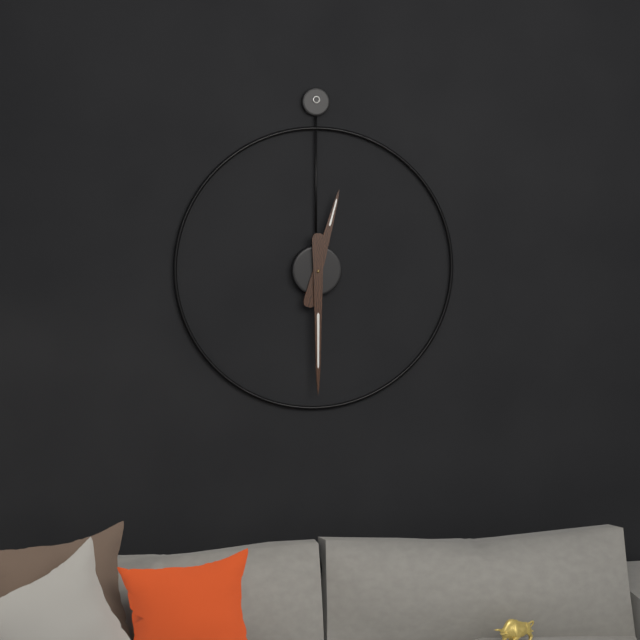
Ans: 12:30
